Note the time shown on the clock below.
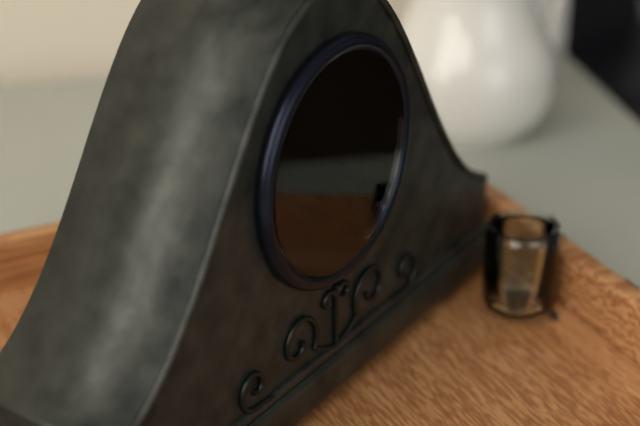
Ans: 6:04
